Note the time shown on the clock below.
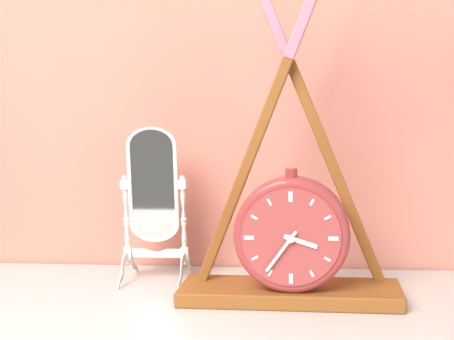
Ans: 3:36
